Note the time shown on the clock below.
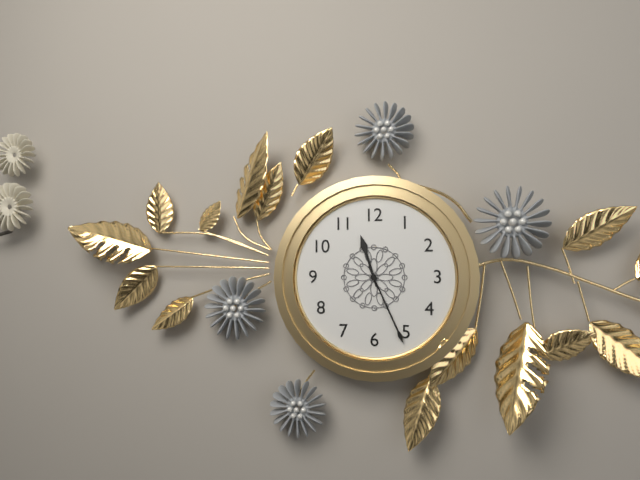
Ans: 11:26
